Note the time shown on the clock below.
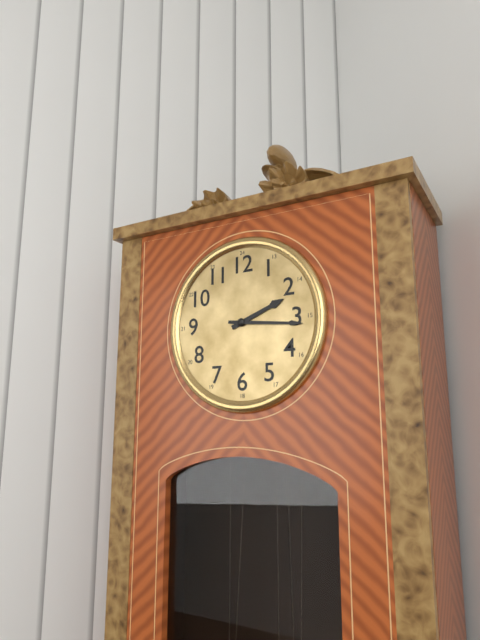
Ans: 2:16
